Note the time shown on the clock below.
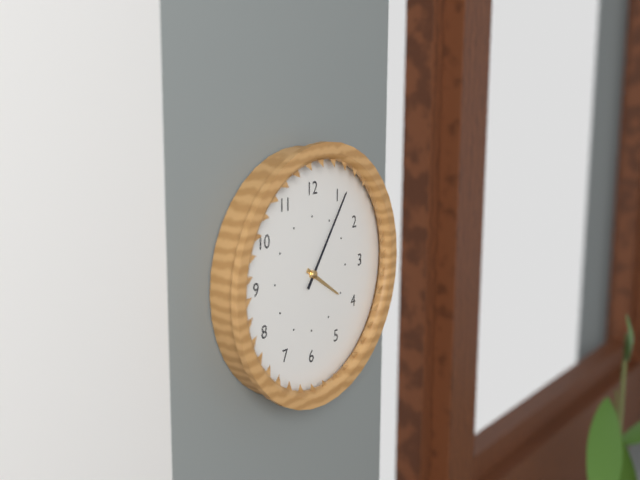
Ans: 4:06
